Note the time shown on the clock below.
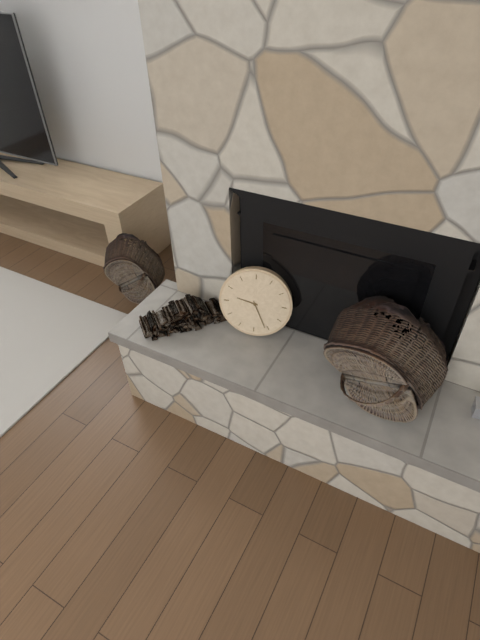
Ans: 9:26
